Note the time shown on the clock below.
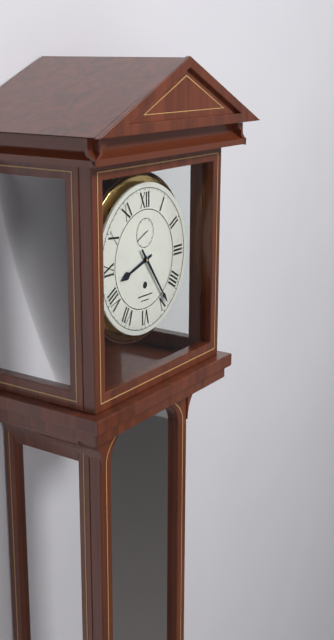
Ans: 8:24
